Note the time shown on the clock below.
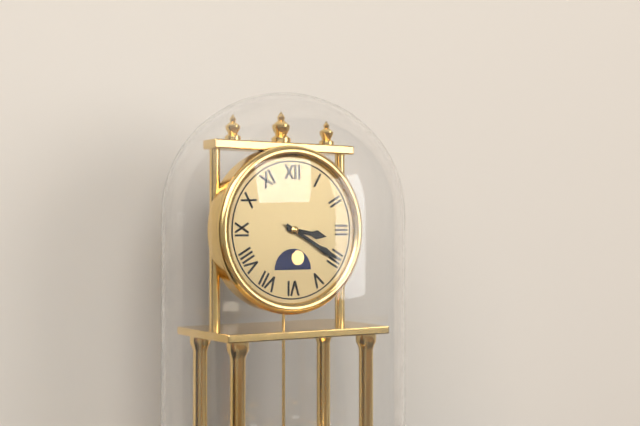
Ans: 3:20
